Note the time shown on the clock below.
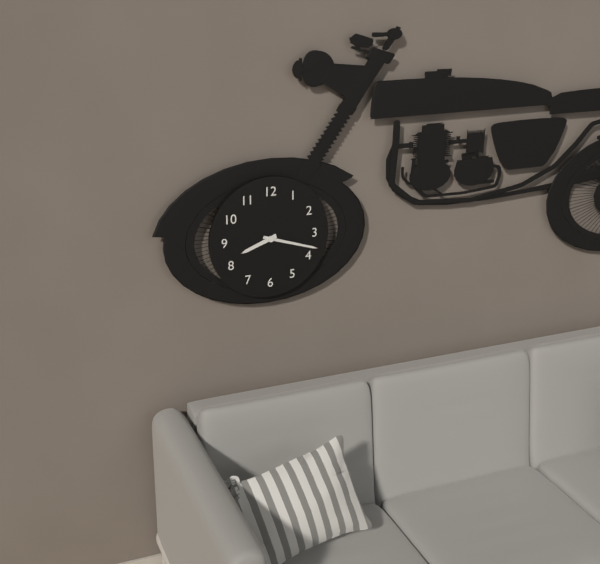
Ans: 8:18
